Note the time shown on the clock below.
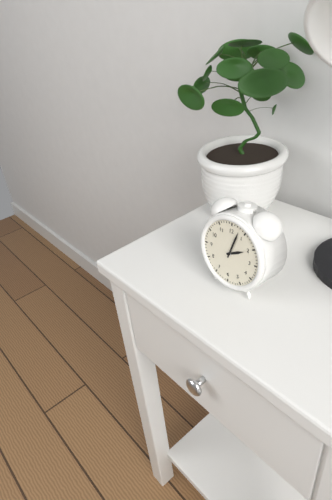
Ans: 2:03
